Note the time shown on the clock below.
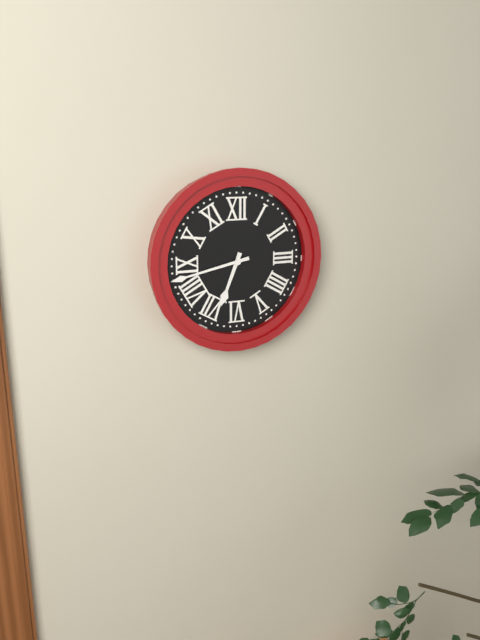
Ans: 6:43
